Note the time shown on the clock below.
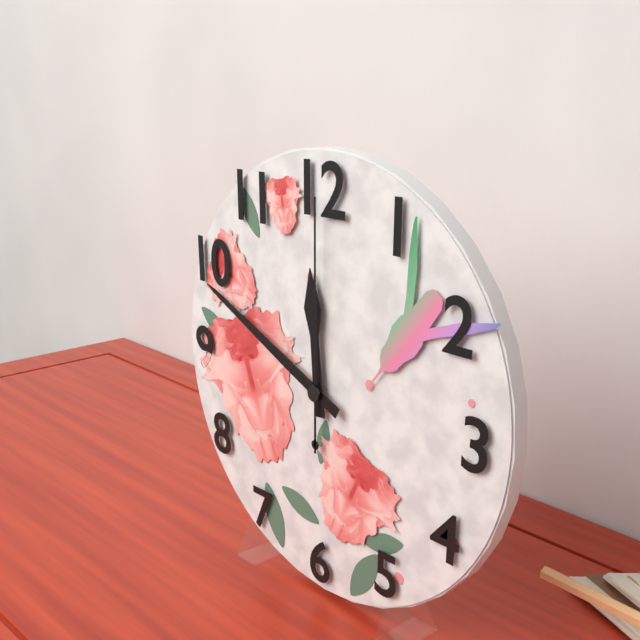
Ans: 11:49:00
